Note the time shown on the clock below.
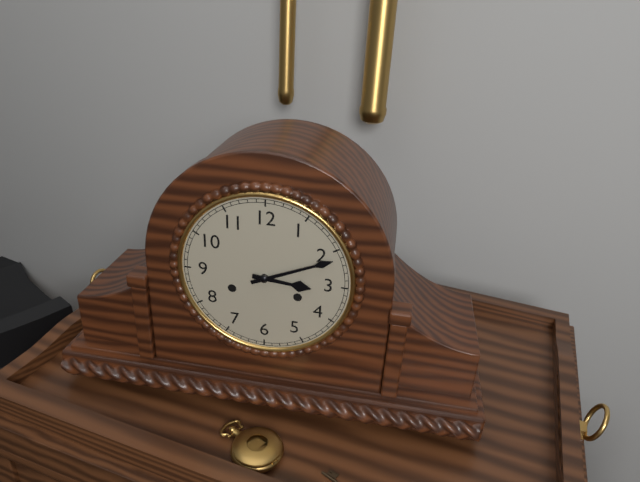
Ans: 3:11
